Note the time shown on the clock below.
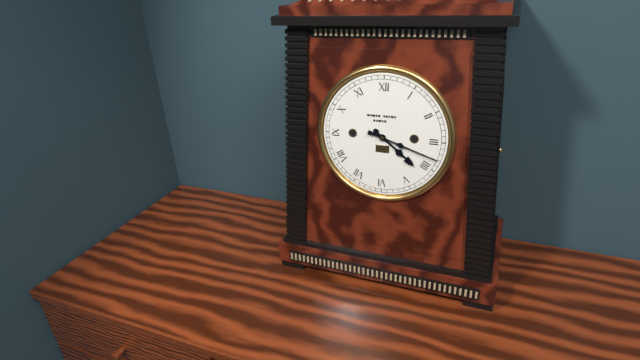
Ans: 4:18
